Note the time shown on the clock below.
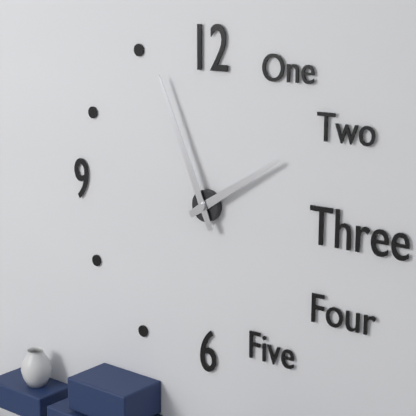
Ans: 1:56
